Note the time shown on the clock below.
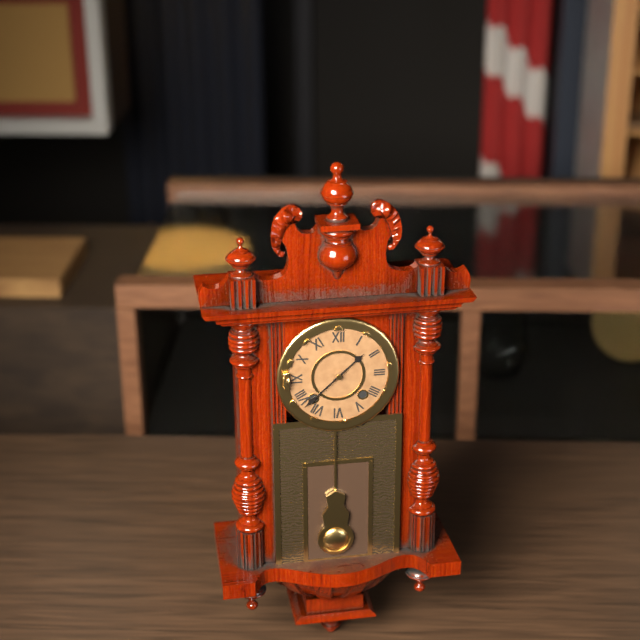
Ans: 1:38
